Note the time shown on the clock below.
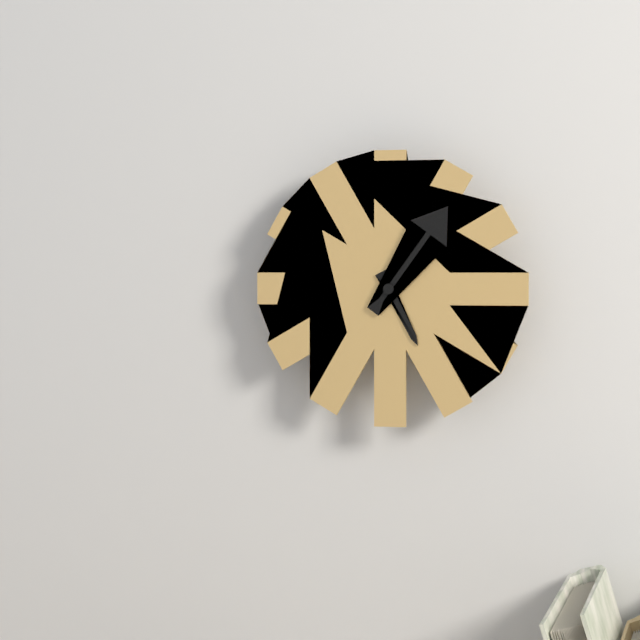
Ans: 5:06
